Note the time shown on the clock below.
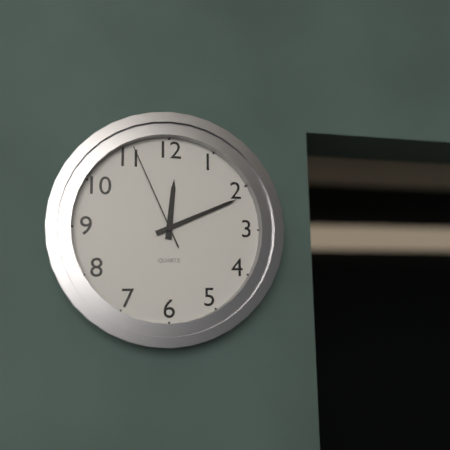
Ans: 12:11:56
